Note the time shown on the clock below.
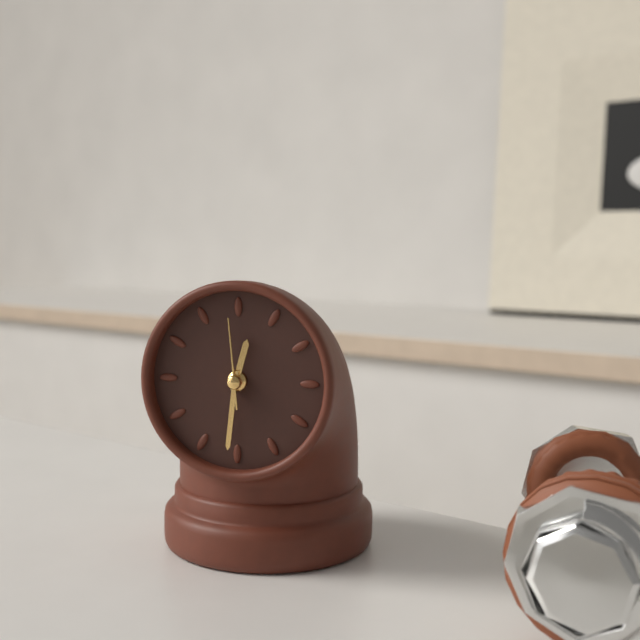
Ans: 12:31:59
